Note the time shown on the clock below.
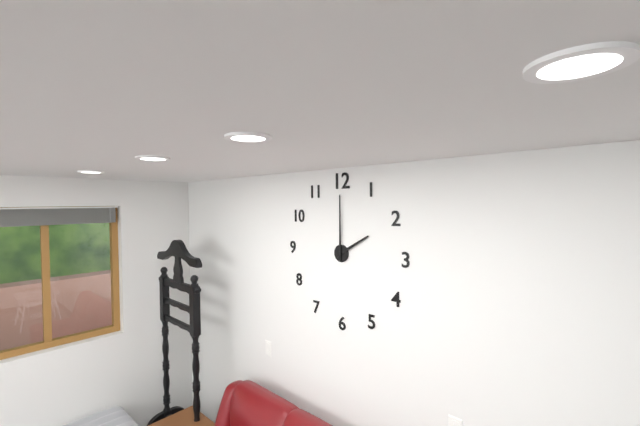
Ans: 2:00
